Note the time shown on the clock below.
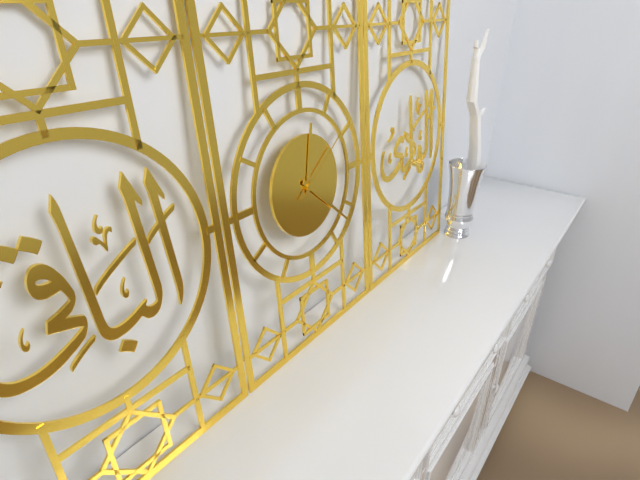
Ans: 12:22:09
